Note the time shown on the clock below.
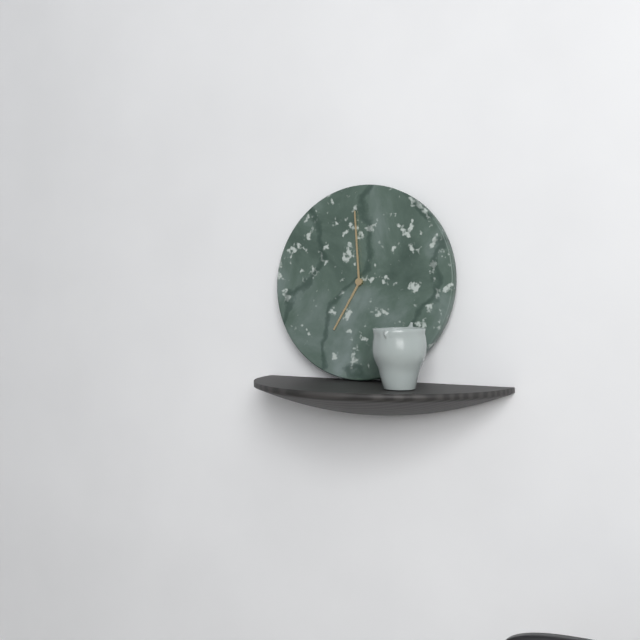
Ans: 6:59
